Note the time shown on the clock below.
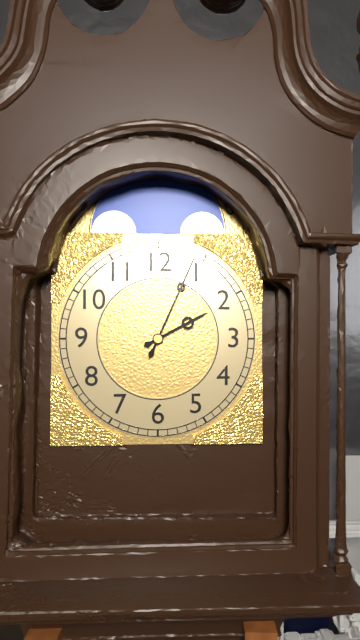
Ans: 2:04
